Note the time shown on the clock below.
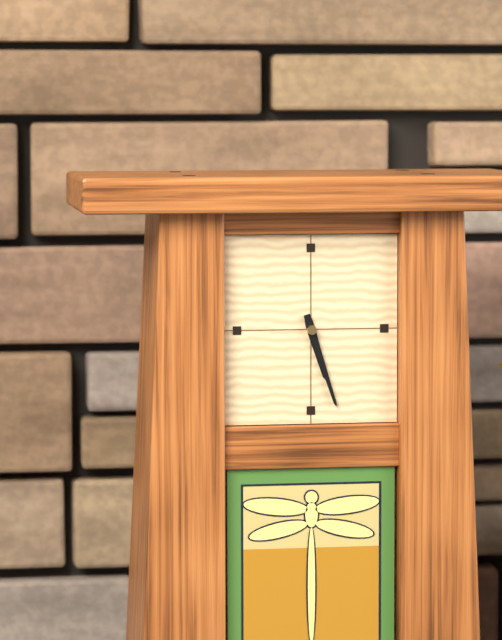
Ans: 5:27
